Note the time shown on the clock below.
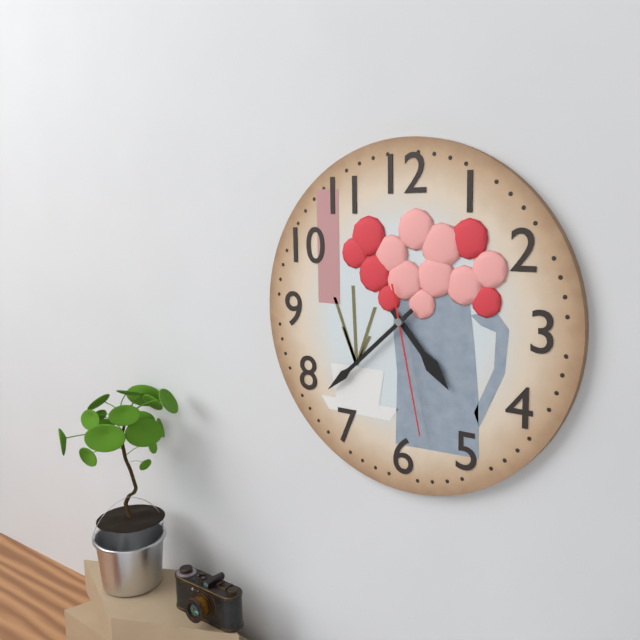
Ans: 4:38:28
